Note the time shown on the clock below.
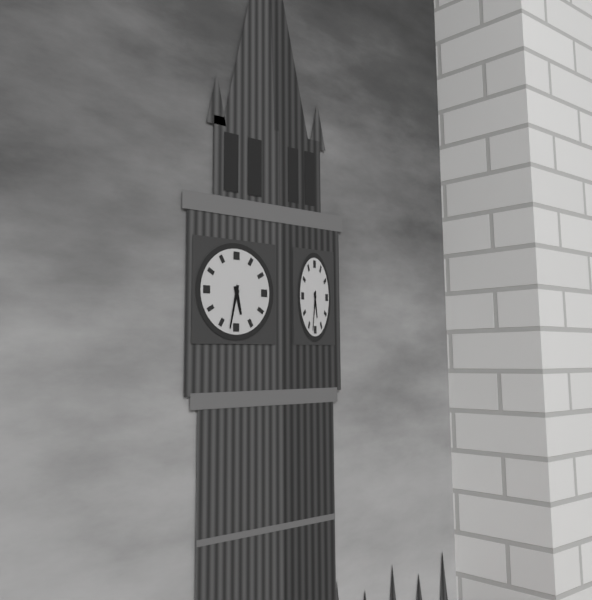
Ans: 5:32
